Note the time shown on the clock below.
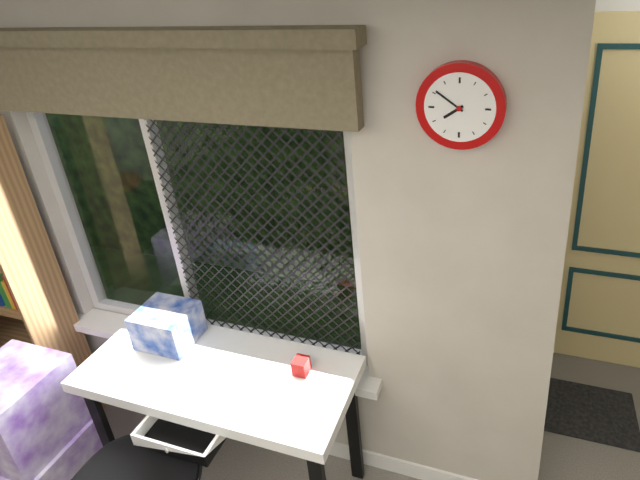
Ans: 7:51
